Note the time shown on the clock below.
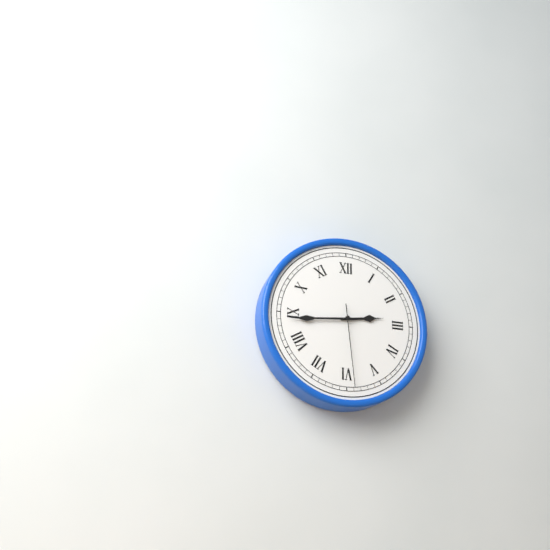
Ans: 2:44:29
